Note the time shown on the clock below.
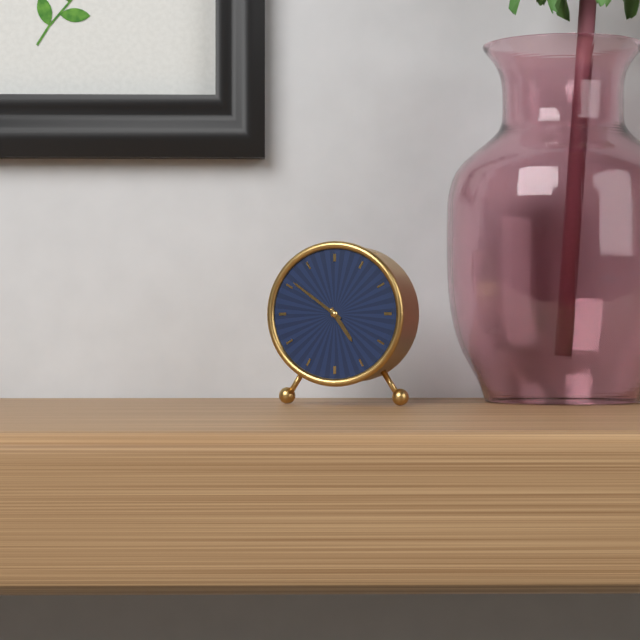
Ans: 4:51
